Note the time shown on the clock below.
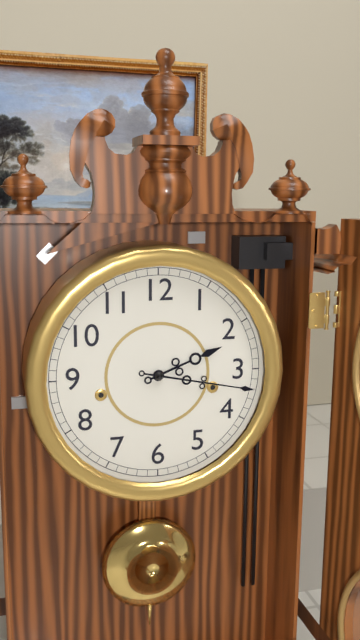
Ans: 2:17
